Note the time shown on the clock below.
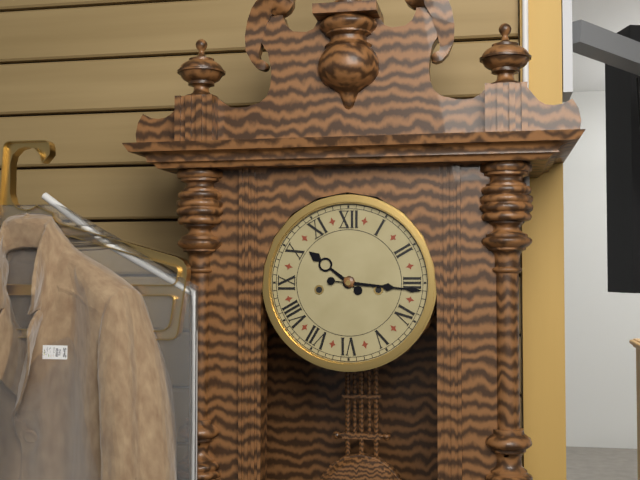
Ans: 10:16
